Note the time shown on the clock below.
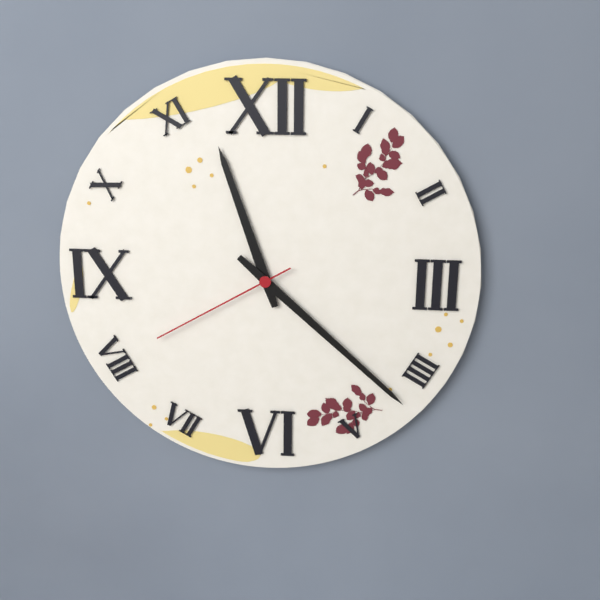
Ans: 11:22:40
